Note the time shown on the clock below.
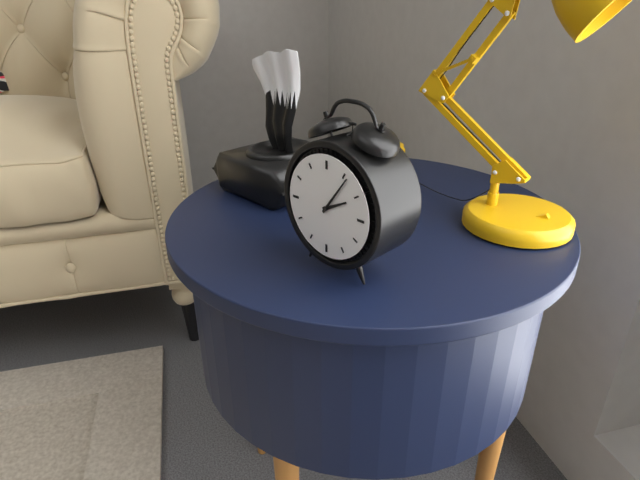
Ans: 2:06
